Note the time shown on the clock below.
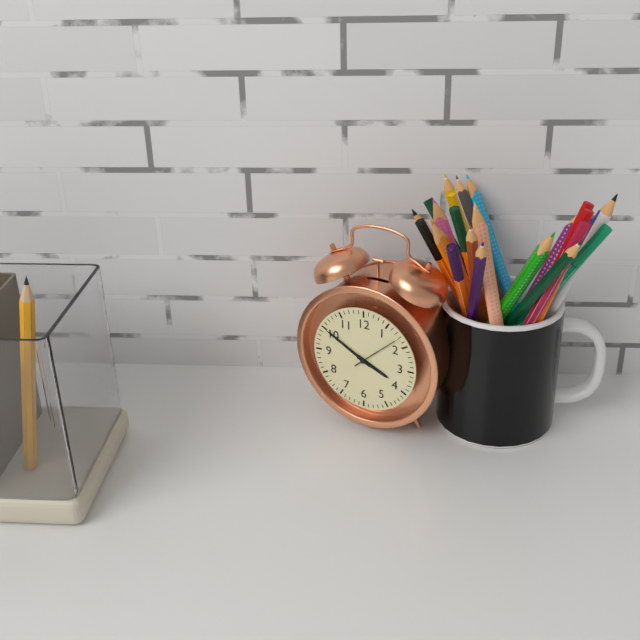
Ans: 3:50:08
